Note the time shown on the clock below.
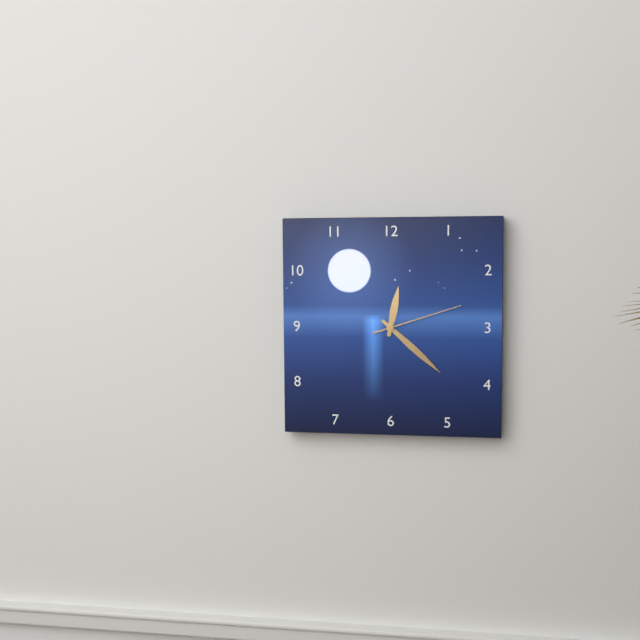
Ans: 12:22:12
